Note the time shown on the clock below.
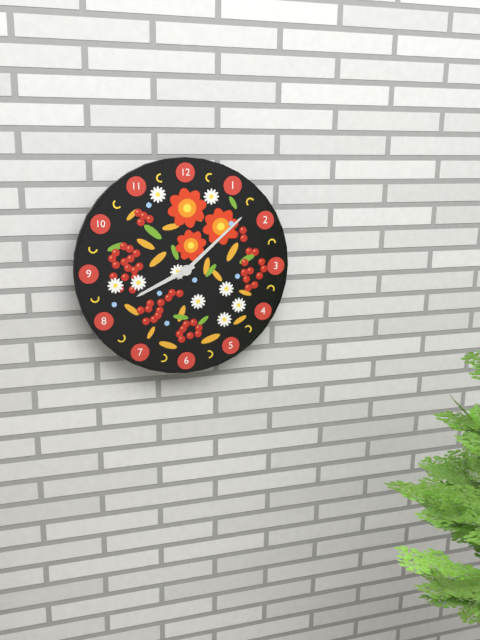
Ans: 8:08
